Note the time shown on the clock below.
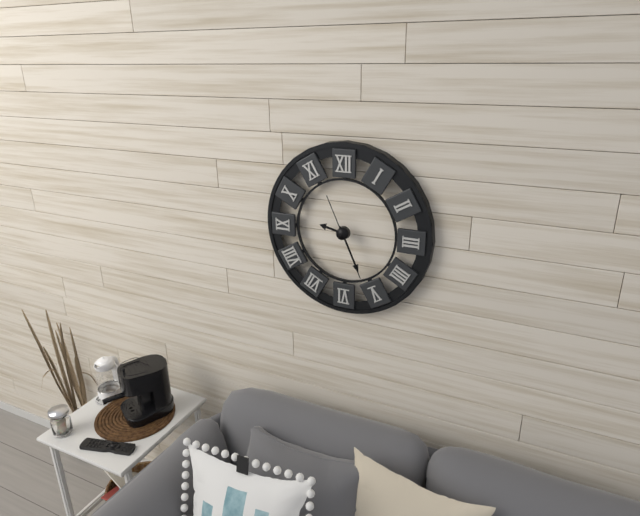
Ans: 9:26:26
